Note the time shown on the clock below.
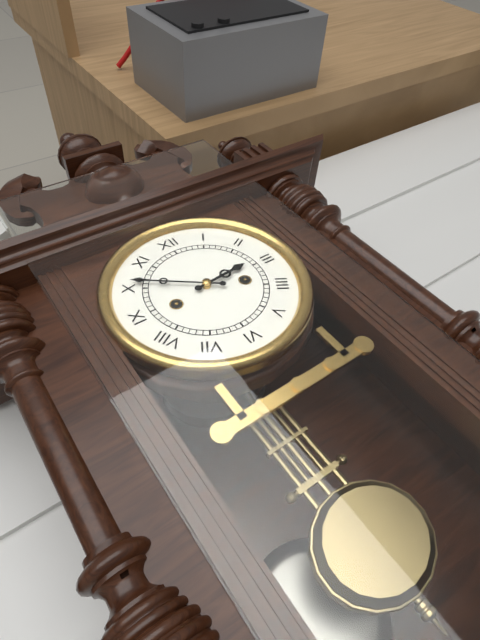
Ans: 2:51
